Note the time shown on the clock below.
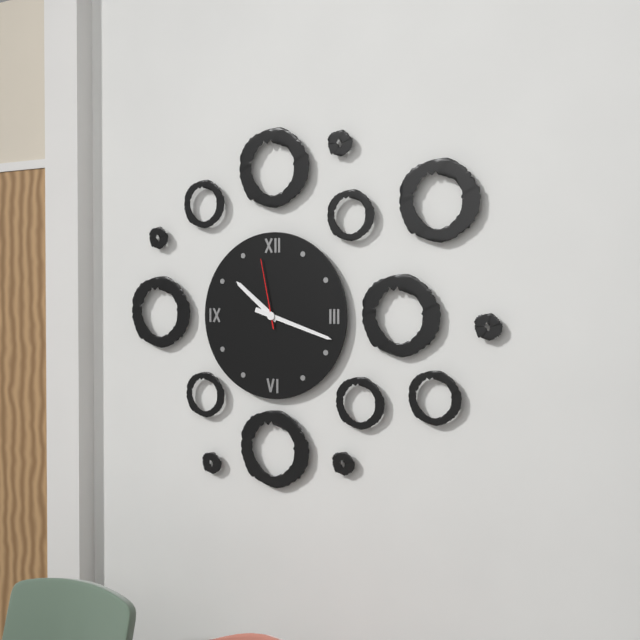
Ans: 10:18:58
